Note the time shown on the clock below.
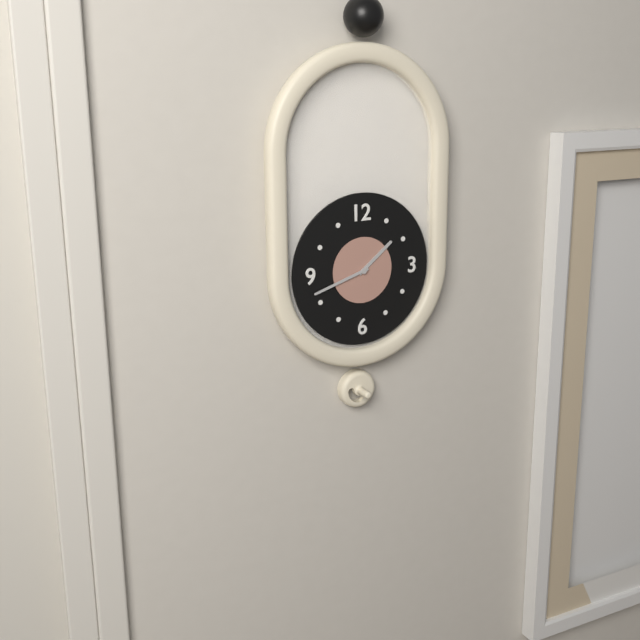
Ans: 1:42
